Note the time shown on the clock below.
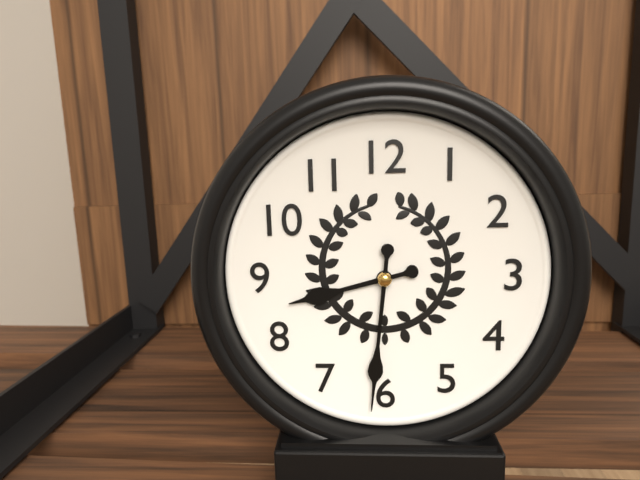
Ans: 8:31
